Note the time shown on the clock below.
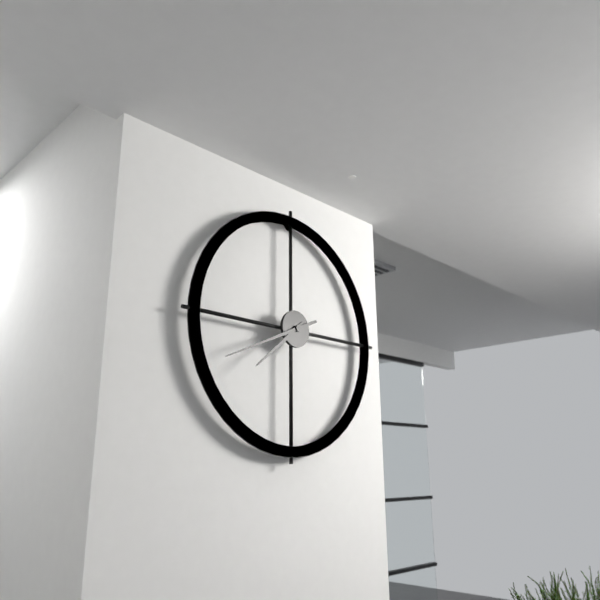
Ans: 7:41
